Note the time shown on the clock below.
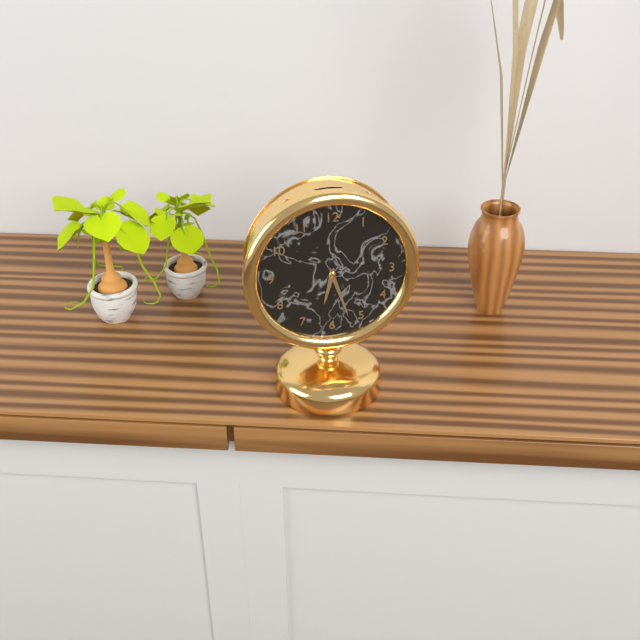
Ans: 6:27
